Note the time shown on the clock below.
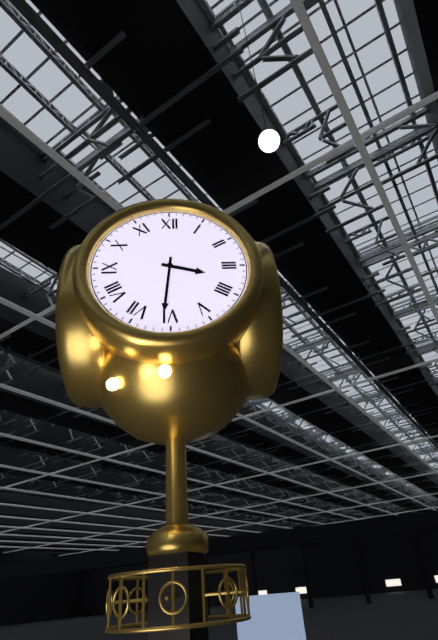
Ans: 3:31
